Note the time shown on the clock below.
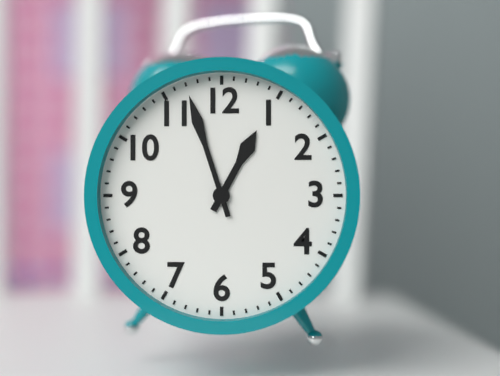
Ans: 12:57
